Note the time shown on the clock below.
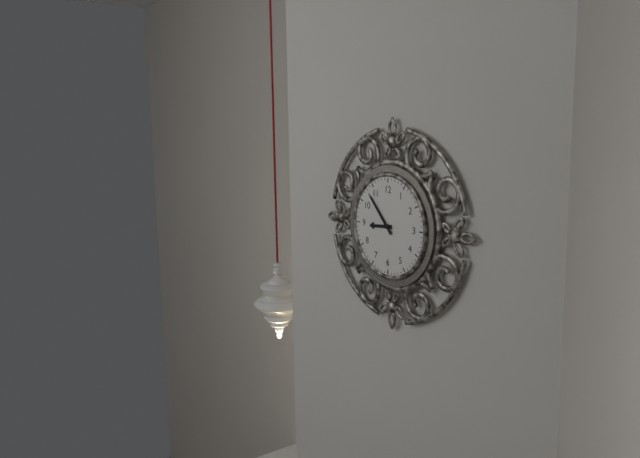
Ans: 8:53
